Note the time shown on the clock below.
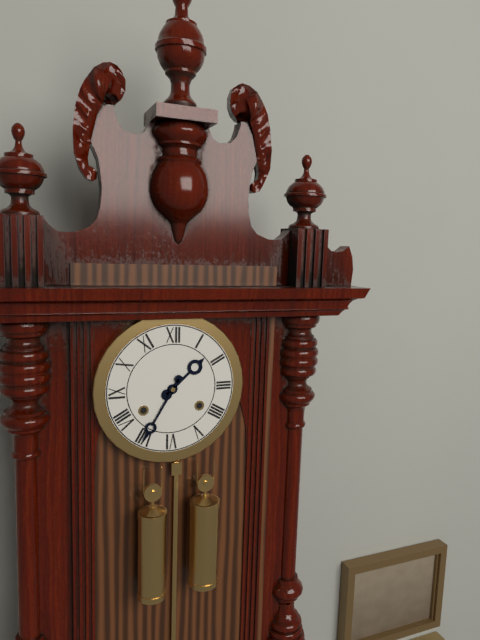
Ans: 1:35
